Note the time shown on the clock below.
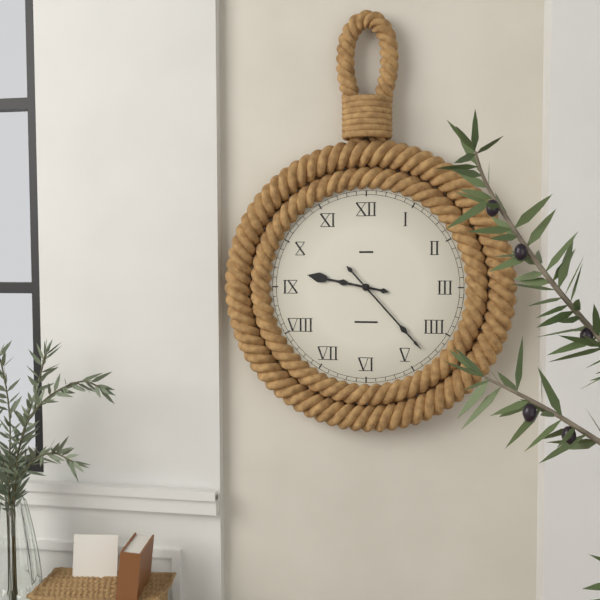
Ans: 9:23
